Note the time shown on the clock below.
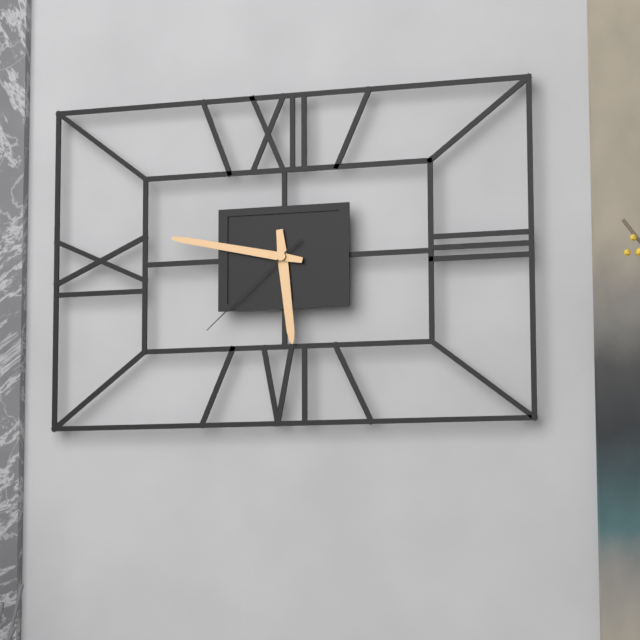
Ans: 5:47:38
